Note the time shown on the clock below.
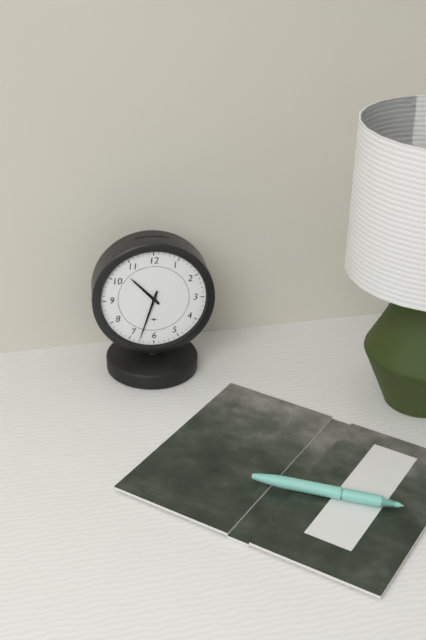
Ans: 10:33
